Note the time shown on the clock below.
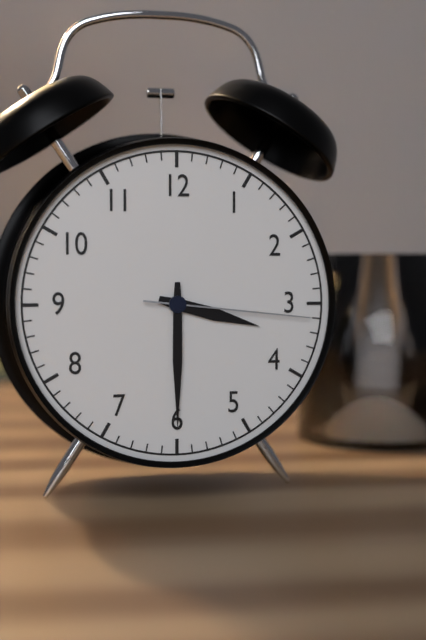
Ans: 3:30:16
